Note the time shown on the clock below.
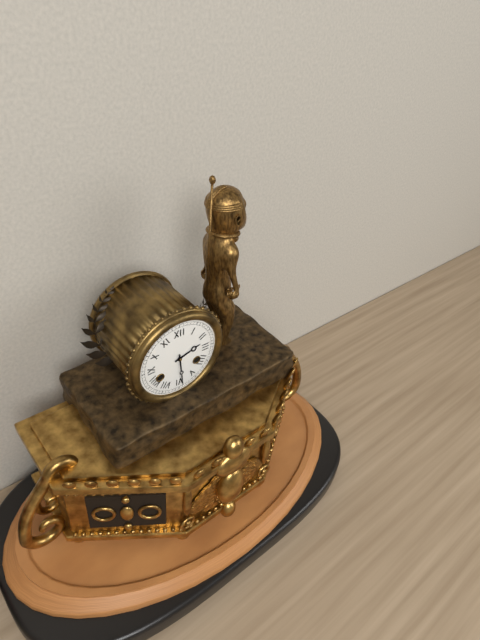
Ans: 2:29
